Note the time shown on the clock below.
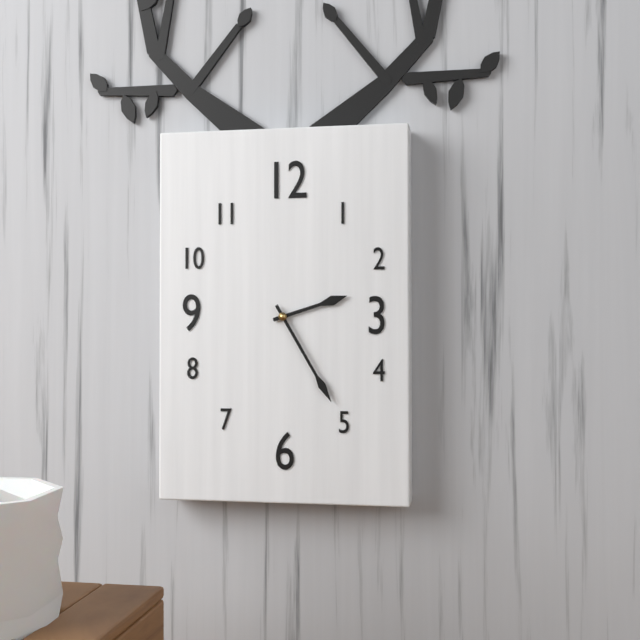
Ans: 2:25
